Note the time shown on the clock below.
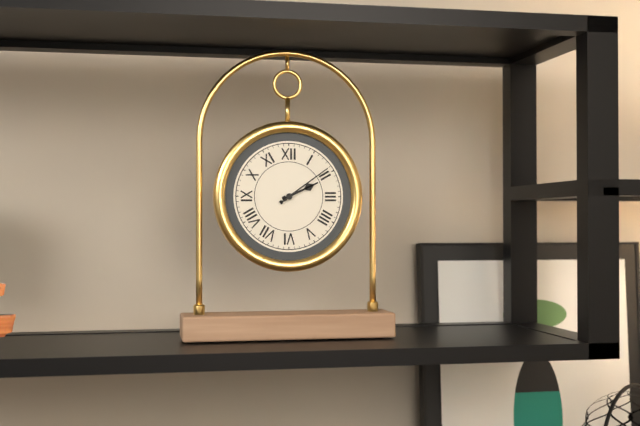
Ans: 2:09
